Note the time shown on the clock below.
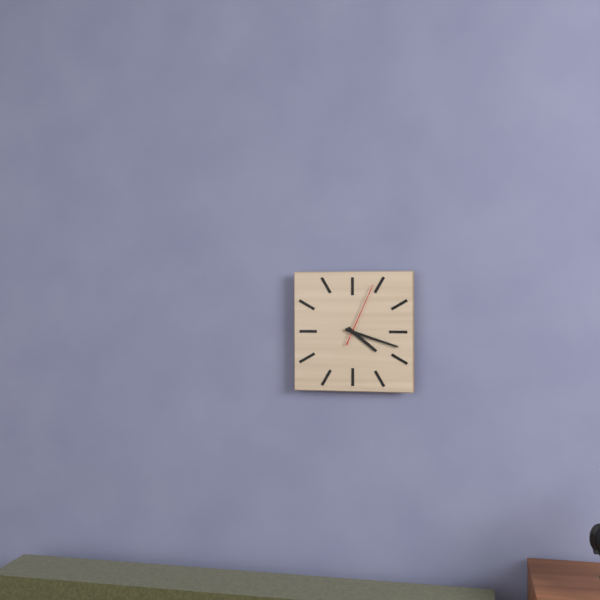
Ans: 4:18:04
